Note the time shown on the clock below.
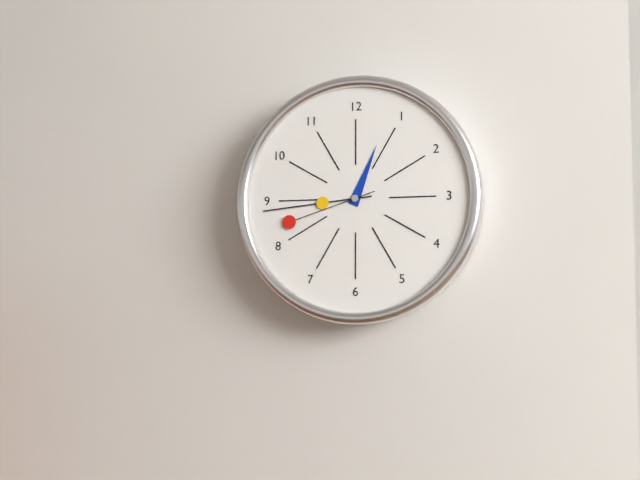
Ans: 12:44:42
